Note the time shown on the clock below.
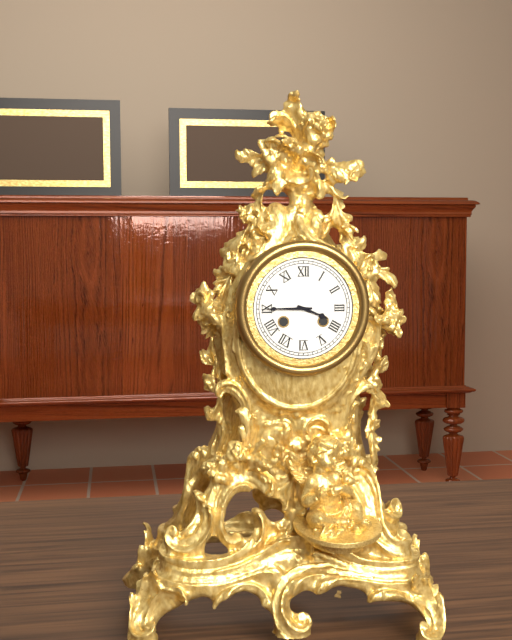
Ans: 3:45
